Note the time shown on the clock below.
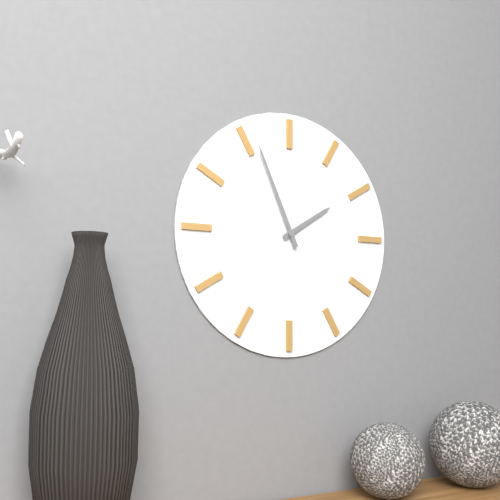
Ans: 1:56
